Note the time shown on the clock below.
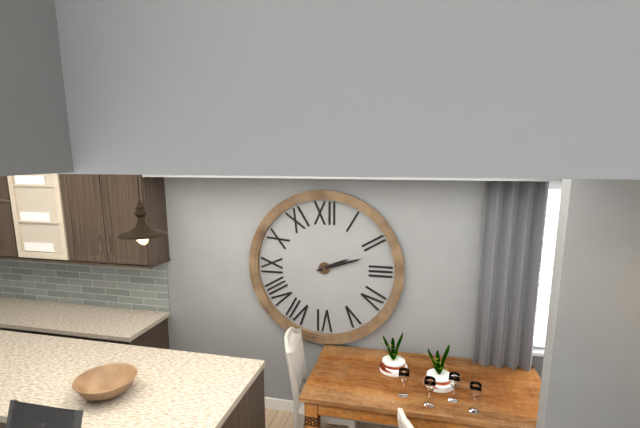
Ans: 2:12
